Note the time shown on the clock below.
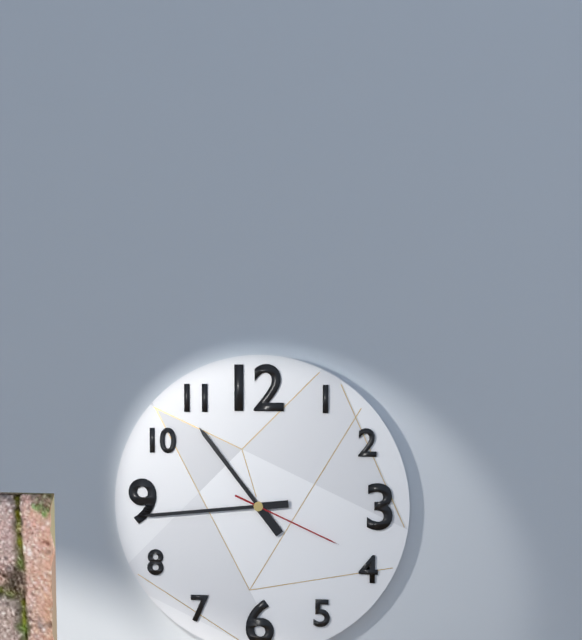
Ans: 10:44:19
